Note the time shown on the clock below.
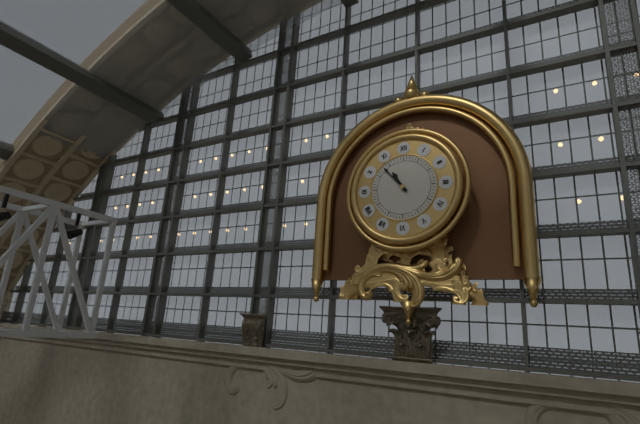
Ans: 10:53
